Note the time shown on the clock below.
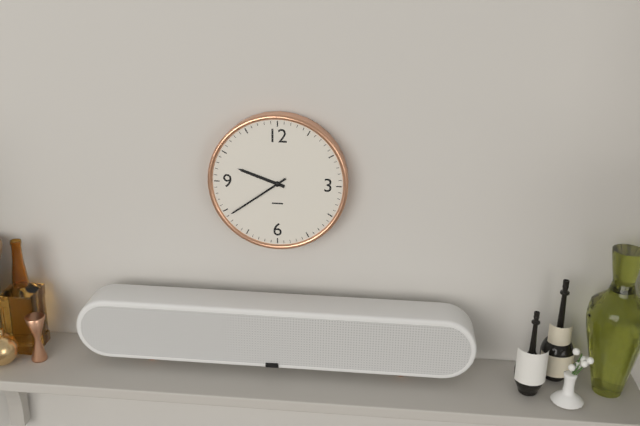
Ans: 9:39
